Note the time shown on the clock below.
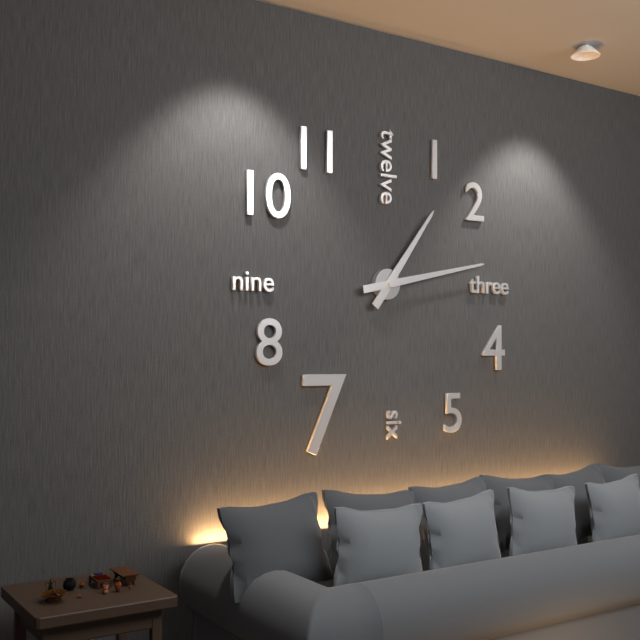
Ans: 1:13
